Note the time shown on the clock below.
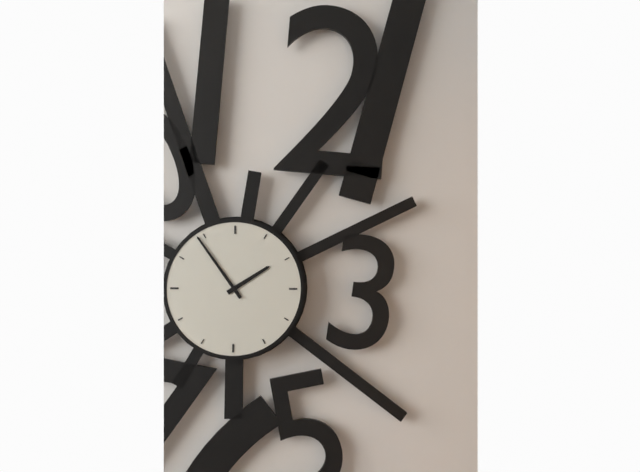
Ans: 1:54
